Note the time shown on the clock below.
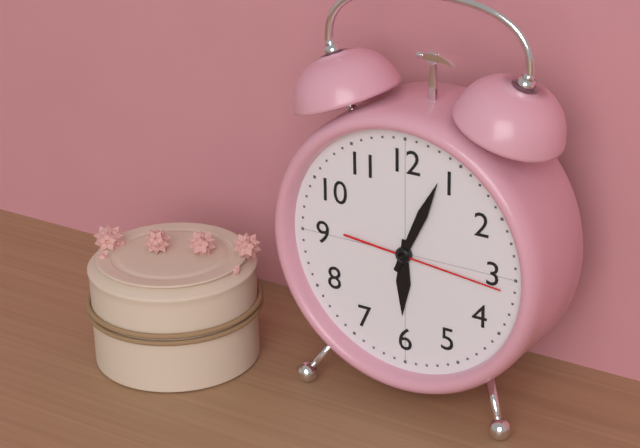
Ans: 6:04:16
